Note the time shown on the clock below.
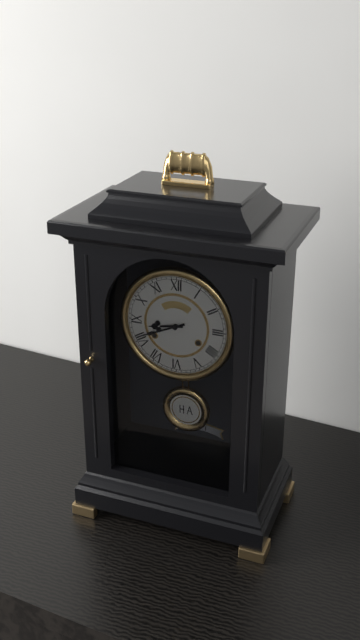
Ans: 8:41
